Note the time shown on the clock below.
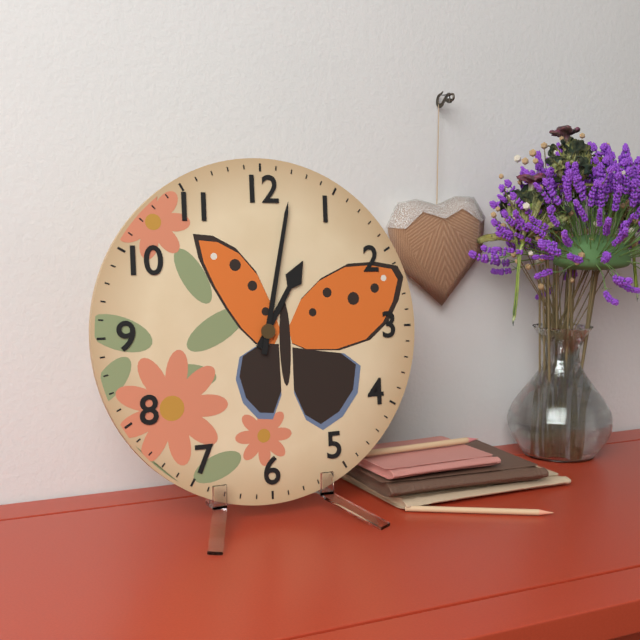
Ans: 1:02
